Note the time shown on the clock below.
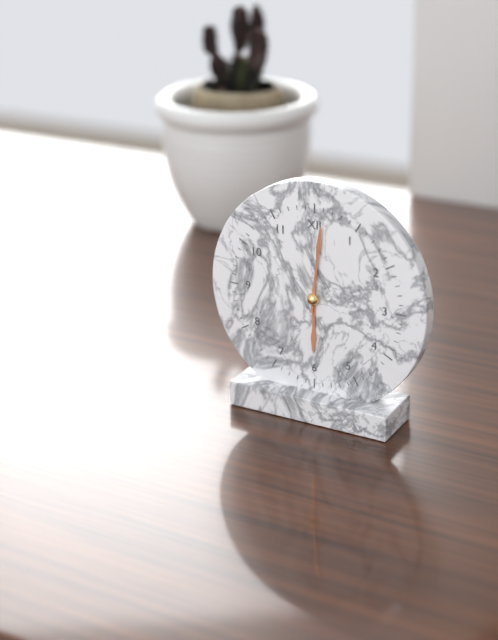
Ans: 6:01
